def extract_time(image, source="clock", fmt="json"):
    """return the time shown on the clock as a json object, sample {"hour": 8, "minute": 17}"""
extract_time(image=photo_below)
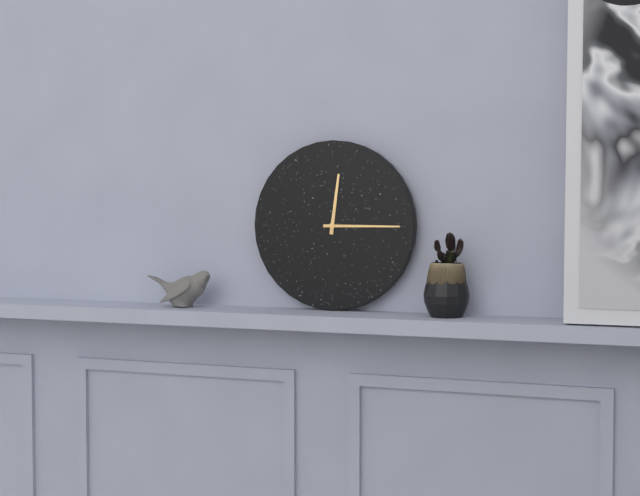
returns {"hour": 12, "minute": 15}
